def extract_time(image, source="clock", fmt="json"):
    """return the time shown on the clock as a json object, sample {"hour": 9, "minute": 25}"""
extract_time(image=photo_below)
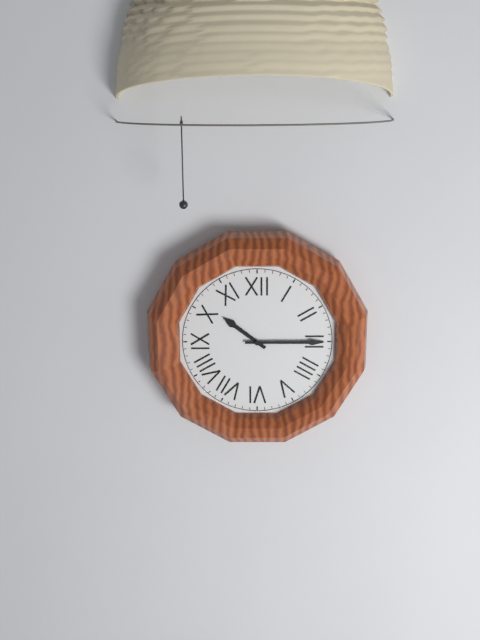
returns {"hour": 10, "minute": 15}
